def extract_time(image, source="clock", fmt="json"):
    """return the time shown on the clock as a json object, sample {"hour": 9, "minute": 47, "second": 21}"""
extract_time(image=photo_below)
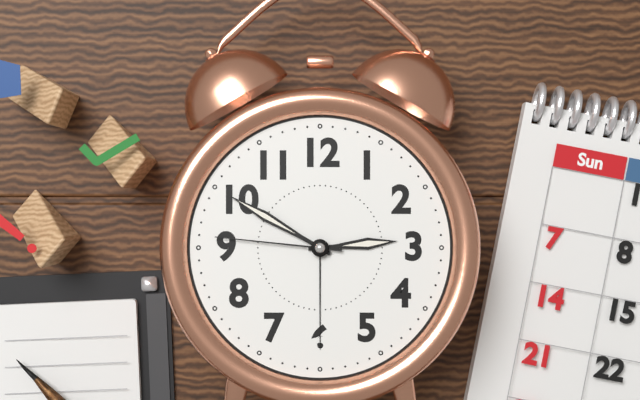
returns {"hour": 2, "minute": 50, "second": 46}
